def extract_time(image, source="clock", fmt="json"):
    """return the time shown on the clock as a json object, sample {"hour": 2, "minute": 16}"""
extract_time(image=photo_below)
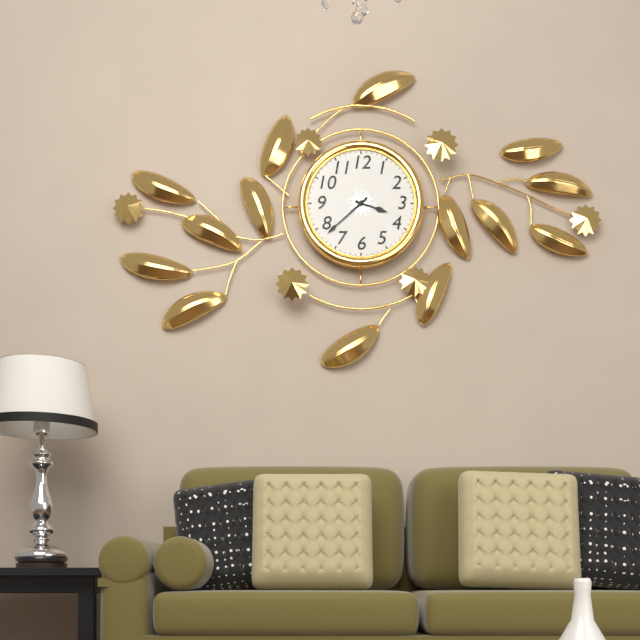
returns {"hour": 3, "minute": 38}
